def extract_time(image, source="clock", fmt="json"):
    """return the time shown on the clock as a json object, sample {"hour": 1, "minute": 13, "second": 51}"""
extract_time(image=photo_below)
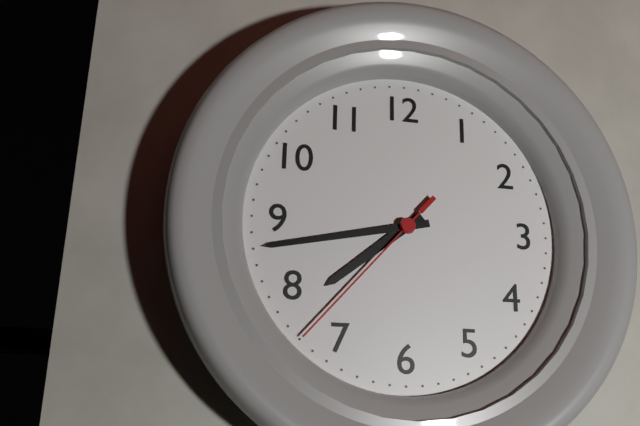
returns {"hour": 7, "minute": 43, "second": 37}
